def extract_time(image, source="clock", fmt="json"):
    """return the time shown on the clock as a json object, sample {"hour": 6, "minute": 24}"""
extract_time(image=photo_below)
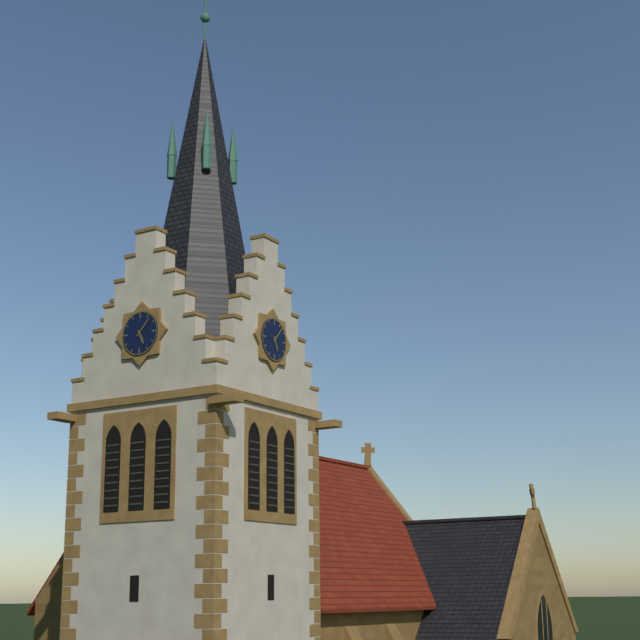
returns {"hour": 5, "minute": 7}
